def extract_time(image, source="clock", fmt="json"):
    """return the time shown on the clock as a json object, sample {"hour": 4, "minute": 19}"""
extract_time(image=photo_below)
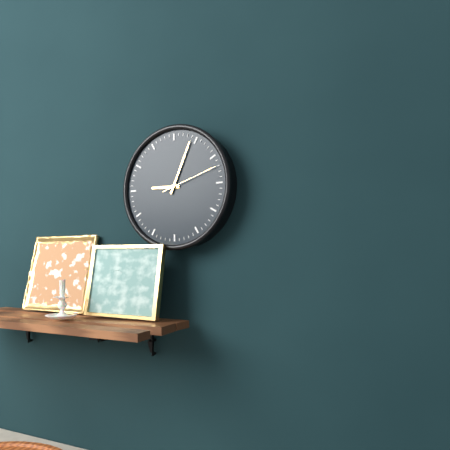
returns {"hour": 9, "minute": 4}
